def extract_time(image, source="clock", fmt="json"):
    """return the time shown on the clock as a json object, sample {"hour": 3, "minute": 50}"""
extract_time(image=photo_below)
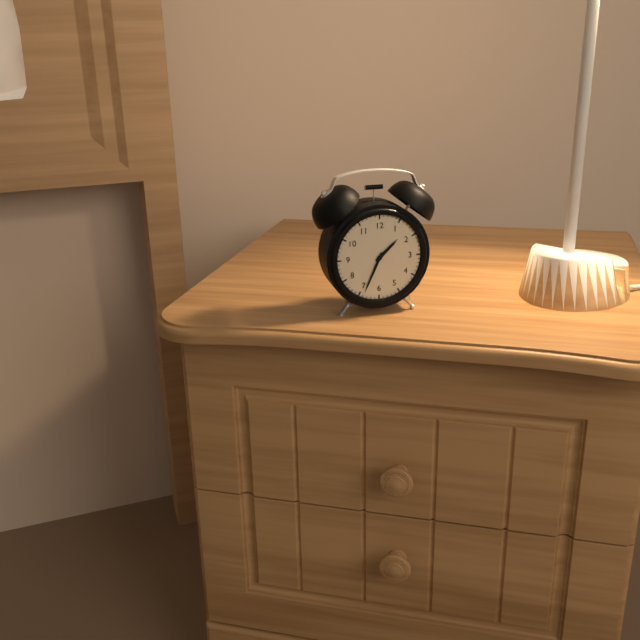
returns {"hour": 1, "minute": 34}
